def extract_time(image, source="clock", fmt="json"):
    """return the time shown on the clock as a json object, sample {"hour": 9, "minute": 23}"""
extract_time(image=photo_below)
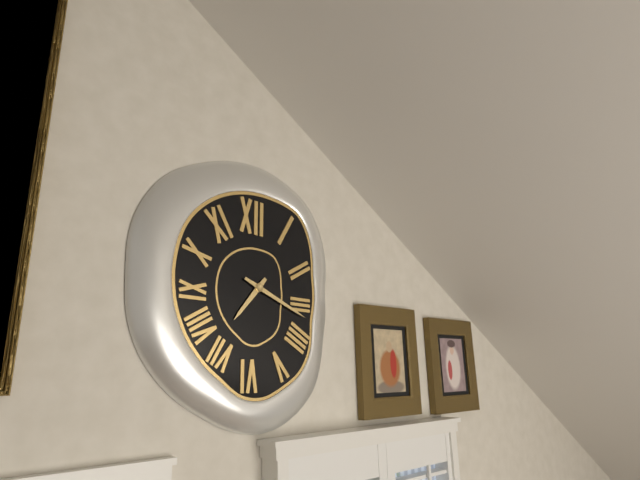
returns {"hour": 7, "minute": 19}
